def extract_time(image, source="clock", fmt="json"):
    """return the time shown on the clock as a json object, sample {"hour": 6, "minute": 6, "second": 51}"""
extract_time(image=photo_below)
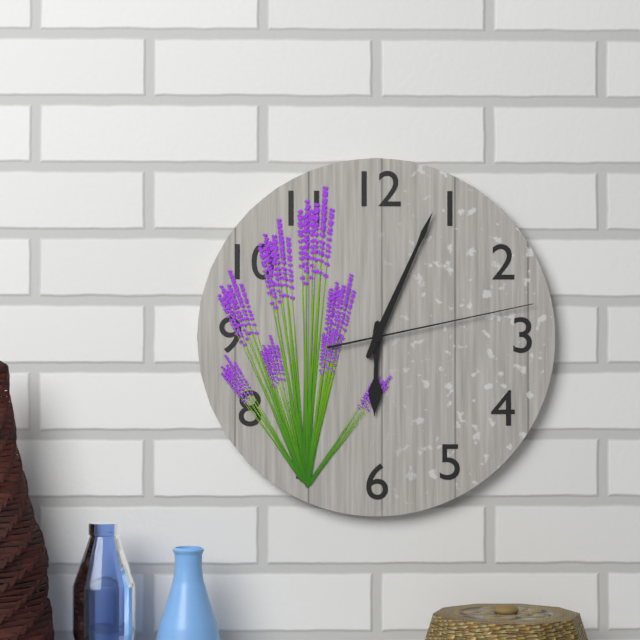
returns {"hour": 6, "minute": 4, "second": 13}
